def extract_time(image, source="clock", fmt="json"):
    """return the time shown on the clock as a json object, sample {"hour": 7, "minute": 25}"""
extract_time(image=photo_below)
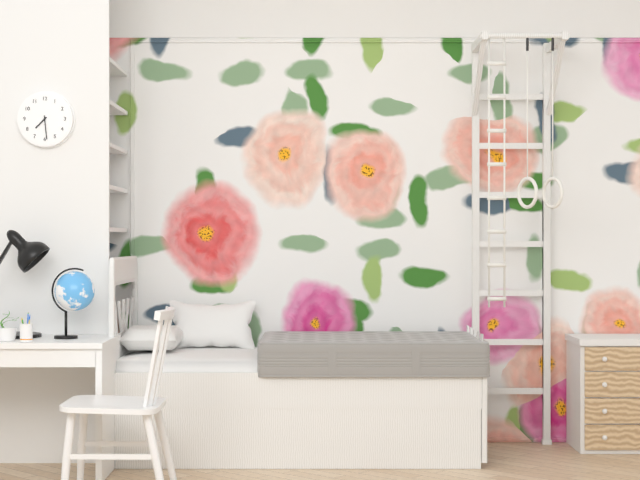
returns {"hour": 7, "minute": 29}
